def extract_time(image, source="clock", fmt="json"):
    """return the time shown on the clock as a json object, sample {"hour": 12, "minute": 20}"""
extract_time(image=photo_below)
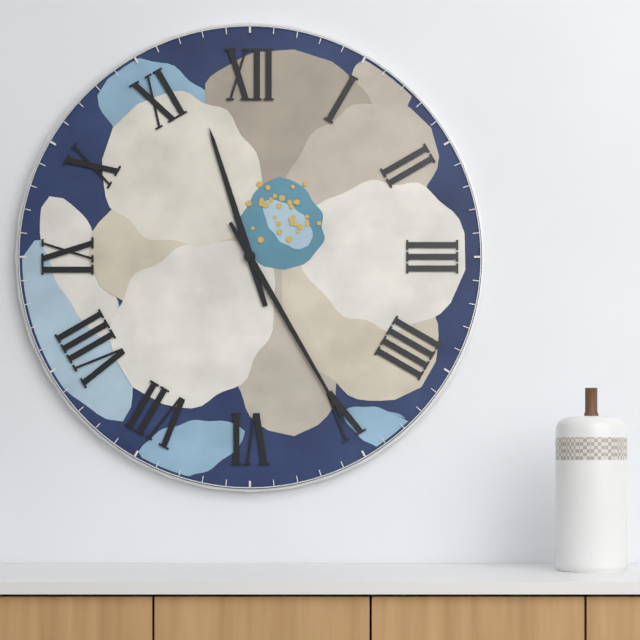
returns {"hour": 11, "minute": 25}
